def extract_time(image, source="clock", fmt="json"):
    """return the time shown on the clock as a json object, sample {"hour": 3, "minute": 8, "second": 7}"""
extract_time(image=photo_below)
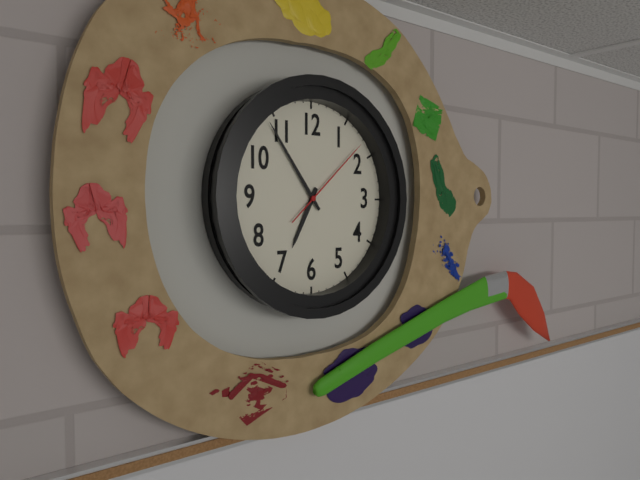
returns {"hour": 6, "minute": 54, "second": 8}
